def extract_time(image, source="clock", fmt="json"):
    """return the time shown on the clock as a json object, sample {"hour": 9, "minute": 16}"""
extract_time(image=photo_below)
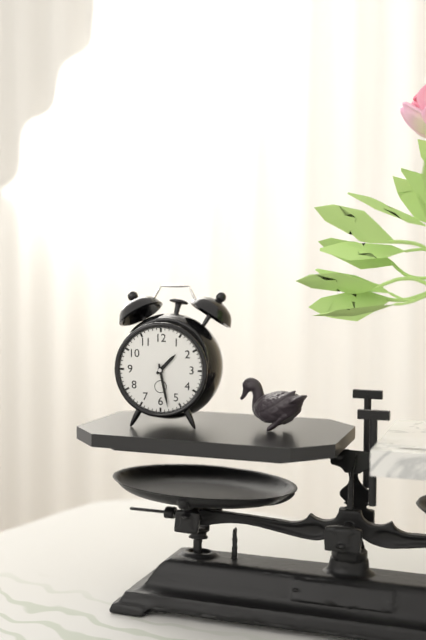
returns {"hour": 1, "minute": 28}
